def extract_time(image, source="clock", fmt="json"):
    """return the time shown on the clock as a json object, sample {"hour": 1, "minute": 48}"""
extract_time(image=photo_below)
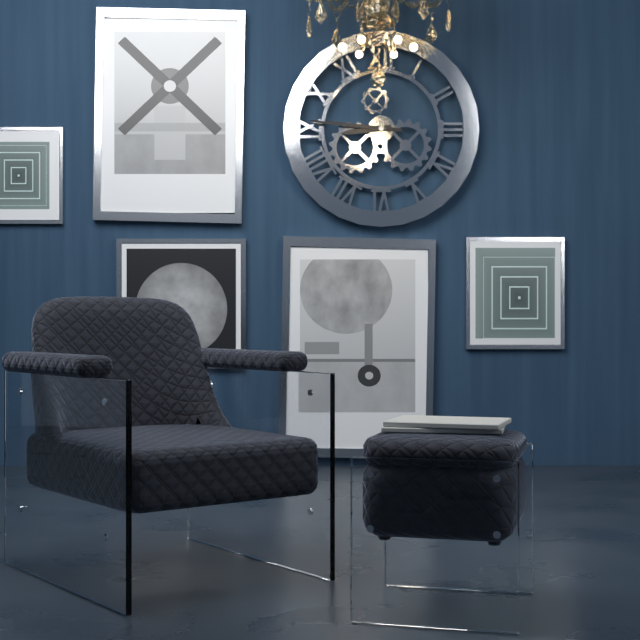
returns {"hour": 8, "minute": 46}
